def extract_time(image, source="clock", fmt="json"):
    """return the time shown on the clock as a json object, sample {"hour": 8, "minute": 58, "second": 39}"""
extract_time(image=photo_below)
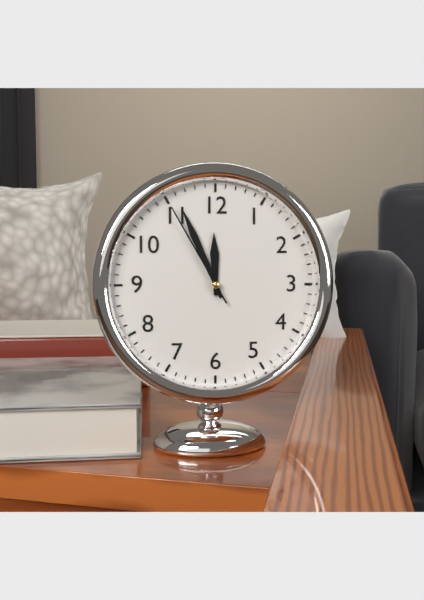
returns {"hour": 11, "minute": 56, "second": 55}
